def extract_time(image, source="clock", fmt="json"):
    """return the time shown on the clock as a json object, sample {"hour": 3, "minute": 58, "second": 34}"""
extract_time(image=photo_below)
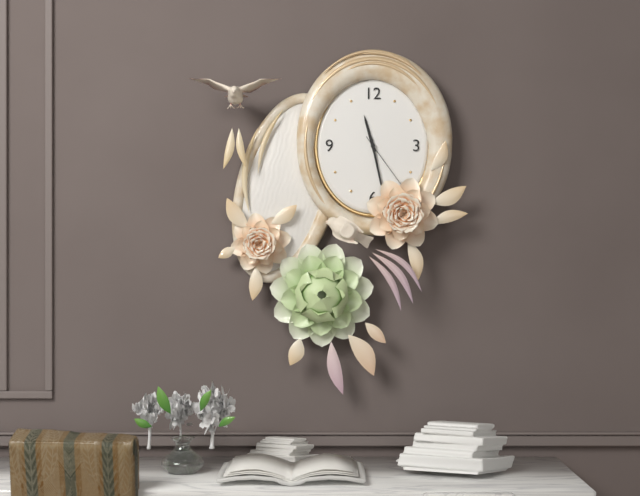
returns {"hour": 11, "minute": 28, "second": 24}
